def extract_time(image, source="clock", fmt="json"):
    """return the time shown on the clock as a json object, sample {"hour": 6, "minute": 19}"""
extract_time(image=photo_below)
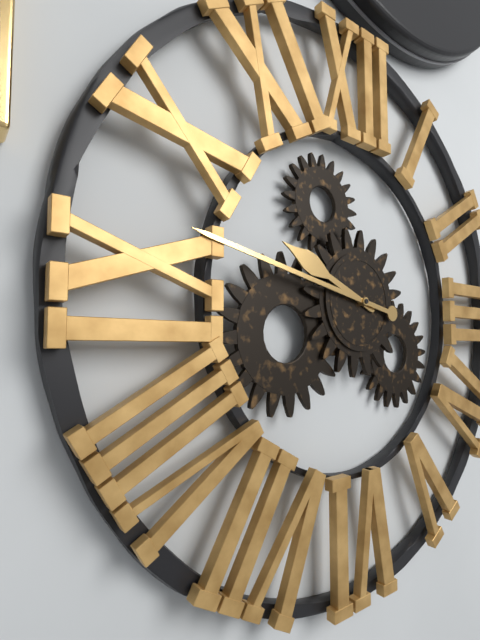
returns {"hour": 9, "minute": 47}
